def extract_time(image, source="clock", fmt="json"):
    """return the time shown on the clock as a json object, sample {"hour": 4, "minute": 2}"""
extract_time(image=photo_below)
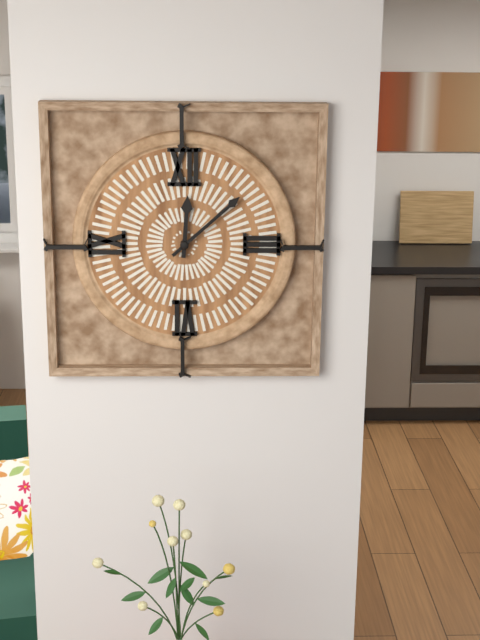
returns {"hour": 12, "minute": 8}
